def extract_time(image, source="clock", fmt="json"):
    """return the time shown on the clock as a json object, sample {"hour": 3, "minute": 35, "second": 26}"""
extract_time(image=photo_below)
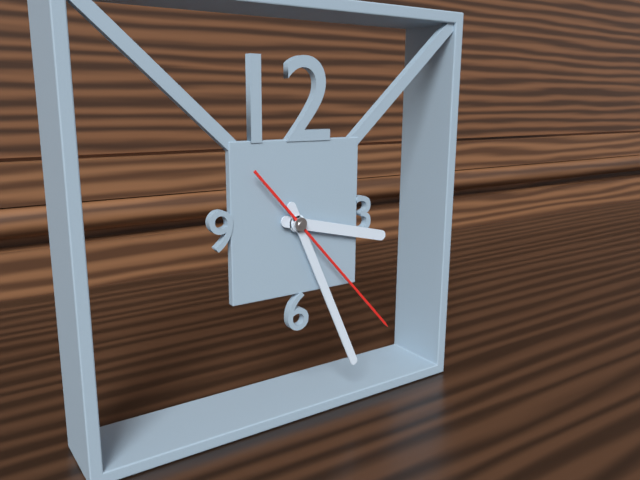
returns {"hour": 3, "minute": 26, "second": 23}
